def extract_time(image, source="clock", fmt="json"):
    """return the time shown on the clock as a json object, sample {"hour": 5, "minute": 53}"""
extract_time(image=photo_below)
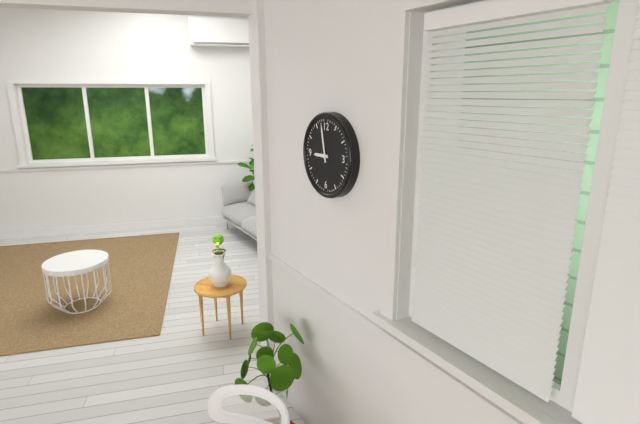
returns {"hour": 8, "minute": 58}
